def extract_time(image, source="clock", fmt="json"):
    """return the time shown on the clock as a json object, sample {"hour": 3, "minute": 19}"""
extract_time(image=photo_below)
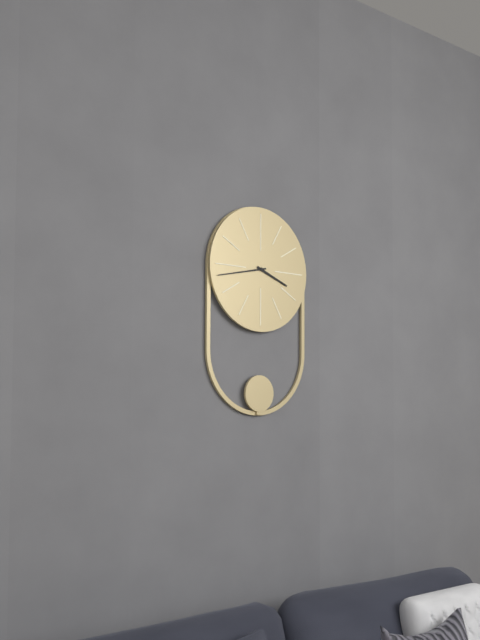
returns {"hour": 3, "minute": 43}
